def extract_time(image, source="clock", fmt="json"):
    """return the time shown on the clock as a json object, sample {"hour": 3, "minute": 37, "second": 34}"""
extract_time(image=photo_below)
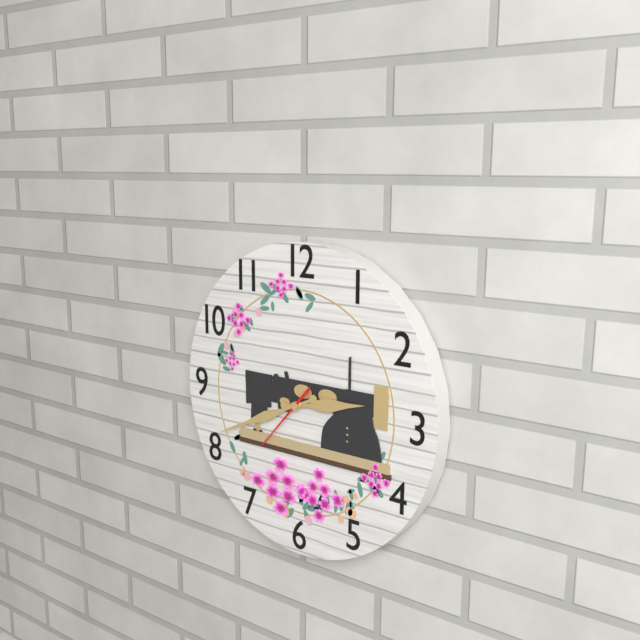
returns {"hour": 2, "minute": 41, "second": 37}
